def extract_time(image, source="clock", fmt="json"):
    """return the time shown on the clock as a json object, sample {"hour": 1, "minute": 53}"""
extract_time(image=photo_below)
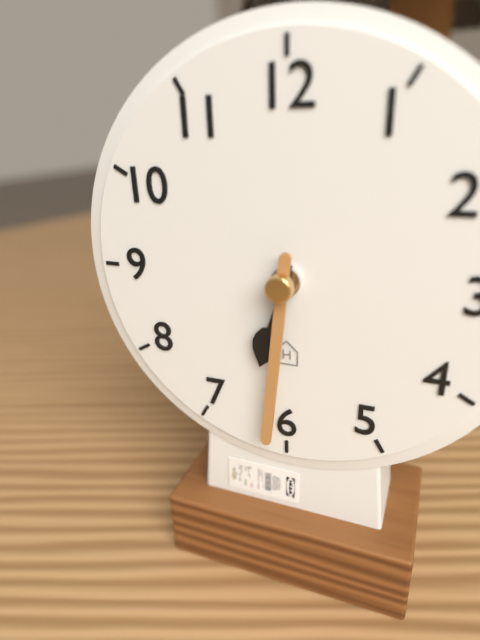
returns {"hour": 6, "minute": 31}
